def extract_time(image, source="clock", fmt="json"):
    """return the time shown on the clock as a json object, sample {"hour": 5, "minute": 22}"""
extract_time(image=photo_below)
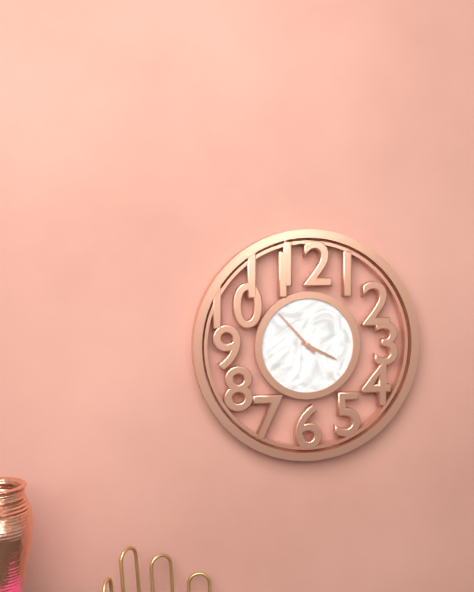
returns {"hour": 3, "minute": 53}
